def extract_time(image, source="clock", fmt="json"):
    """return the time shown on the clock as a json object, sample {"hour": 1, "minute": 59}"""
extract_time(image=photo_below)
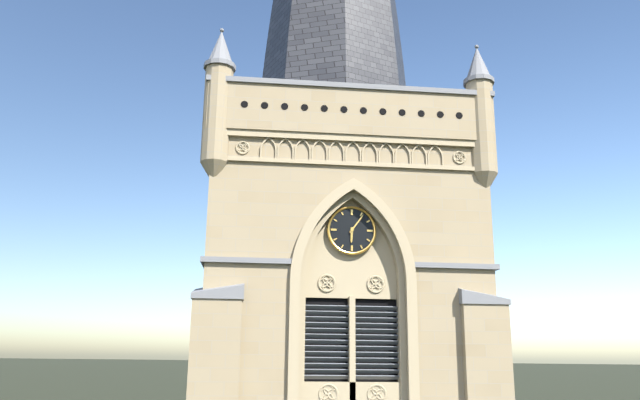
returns {"hour": 6, "minute": 6}
